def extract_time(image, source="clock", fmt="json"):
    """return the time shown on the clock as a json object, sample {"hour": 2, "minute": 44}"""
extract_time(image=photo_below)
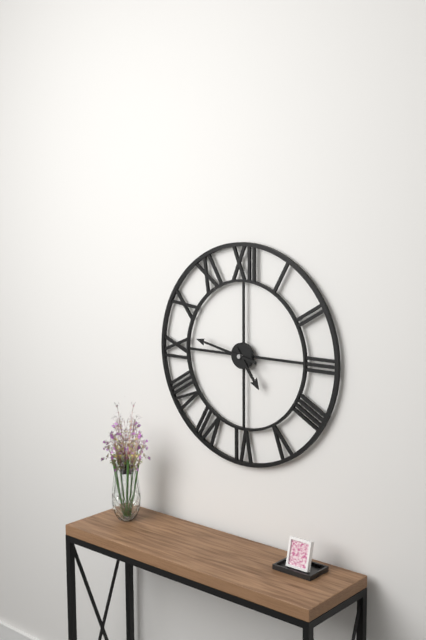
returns {"hour": 4, "minute": 47}
